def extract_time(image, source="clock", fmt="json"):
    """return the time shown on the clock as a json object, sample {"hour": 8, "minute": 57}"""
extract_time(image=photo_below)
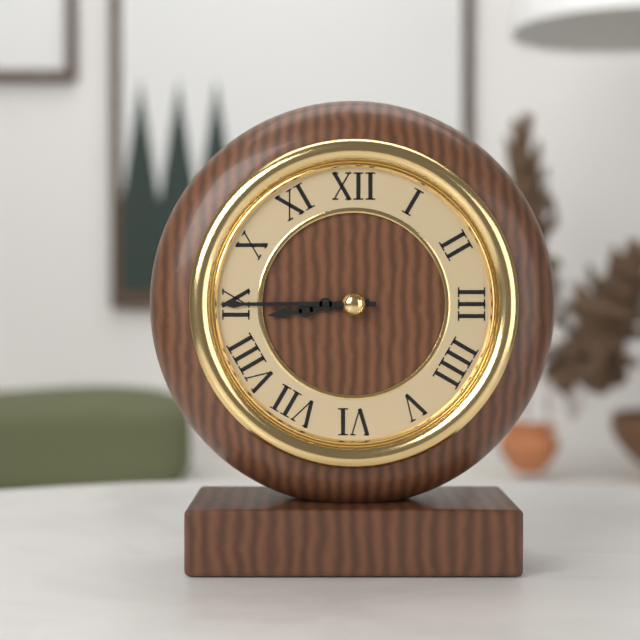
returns {"hour": 8, "minute": 45}
